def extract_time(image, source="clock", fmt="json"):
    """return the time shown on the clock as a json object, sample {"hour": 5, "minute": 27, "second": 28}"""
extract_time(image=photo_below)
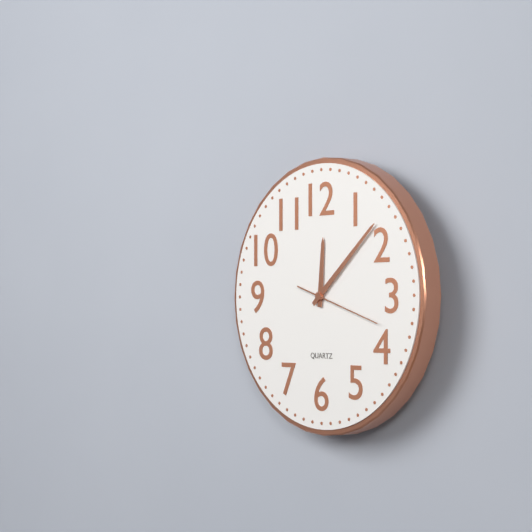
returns {"hour": 12, "minute": 8, "second": 18}
